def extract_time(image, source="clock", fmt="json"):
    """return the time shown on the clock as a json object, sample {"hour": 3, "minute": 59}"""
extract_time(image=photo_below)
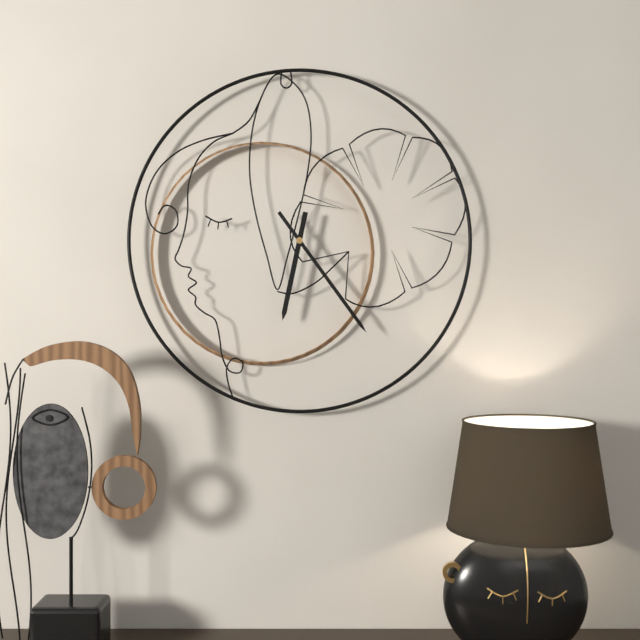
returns {"hour": 6, "minute": 24}
